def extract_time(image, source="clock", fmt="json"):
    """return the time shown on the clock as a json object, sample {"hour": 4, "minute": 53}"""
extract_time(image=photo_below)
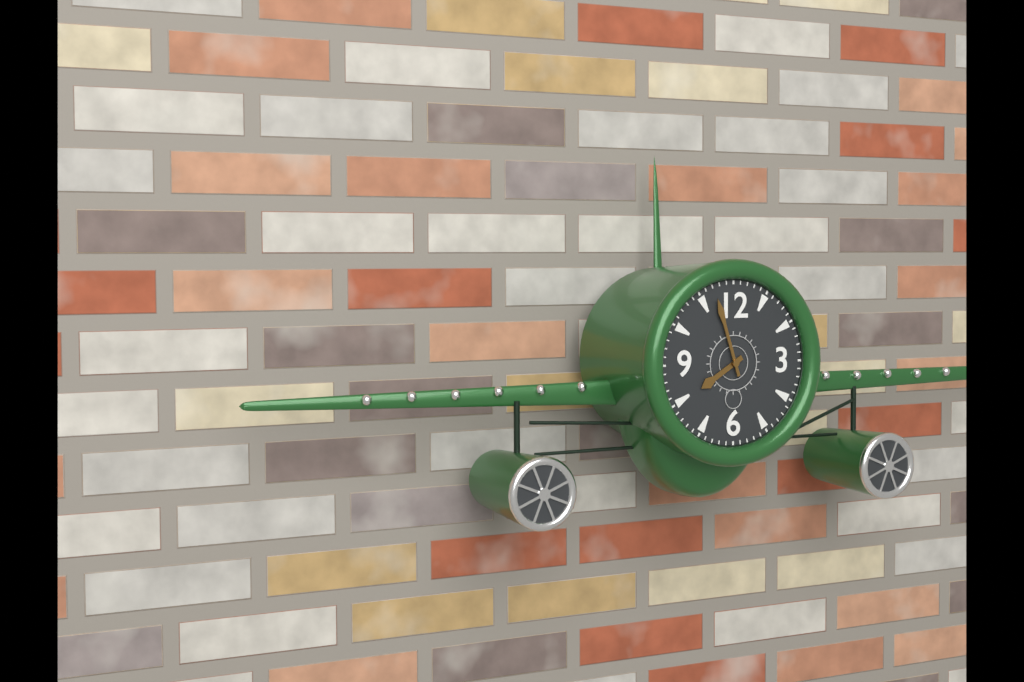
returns {"hour": 7, "minute": 57}
